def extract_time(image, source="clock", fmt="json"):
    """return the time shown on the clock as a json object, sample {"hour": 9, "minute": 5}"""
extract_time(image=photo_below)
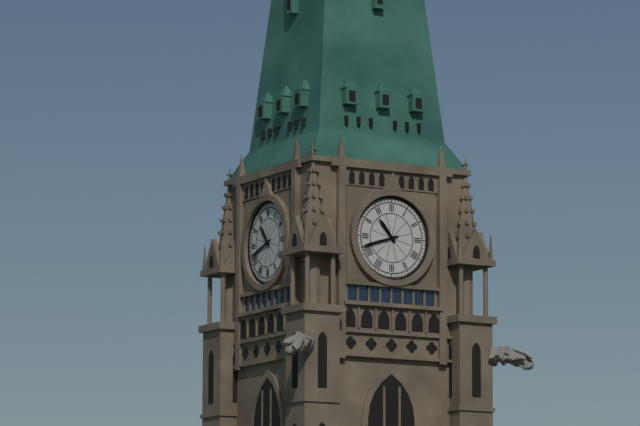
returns {"hour": 10, "minute": 42}
